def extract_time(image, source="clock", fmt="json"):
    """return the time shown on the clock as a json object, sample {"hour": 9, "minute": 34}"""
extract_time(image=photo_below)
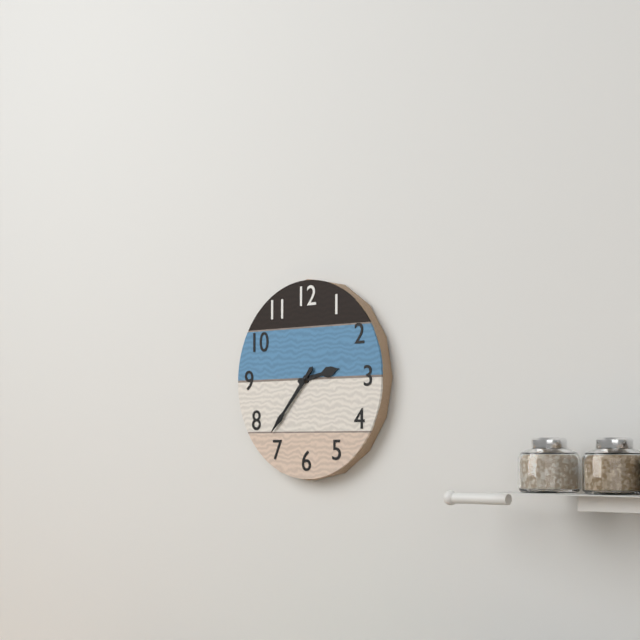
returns {"hour": 2, "minute": 37}
